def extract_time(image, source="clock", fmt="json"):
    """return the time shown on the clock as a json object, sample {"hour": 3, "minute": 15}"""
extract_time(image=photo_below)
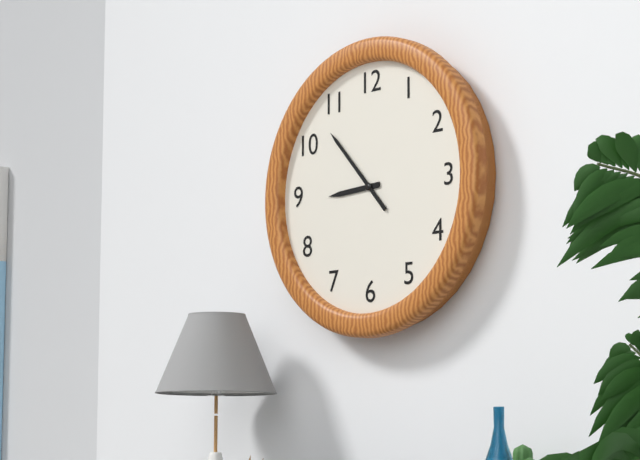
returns {"hour": 8, "minute": 53}
